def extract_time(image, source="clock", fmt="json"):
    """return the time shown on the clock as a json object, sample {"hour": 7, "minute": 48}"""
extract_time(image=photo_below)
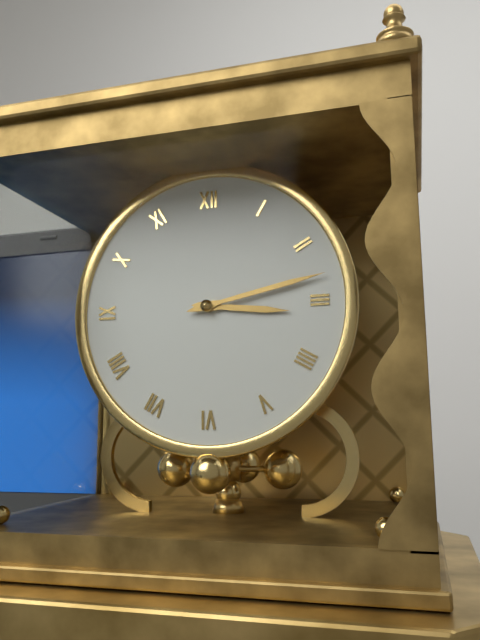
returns {"hour": 3, "minute": 13}
